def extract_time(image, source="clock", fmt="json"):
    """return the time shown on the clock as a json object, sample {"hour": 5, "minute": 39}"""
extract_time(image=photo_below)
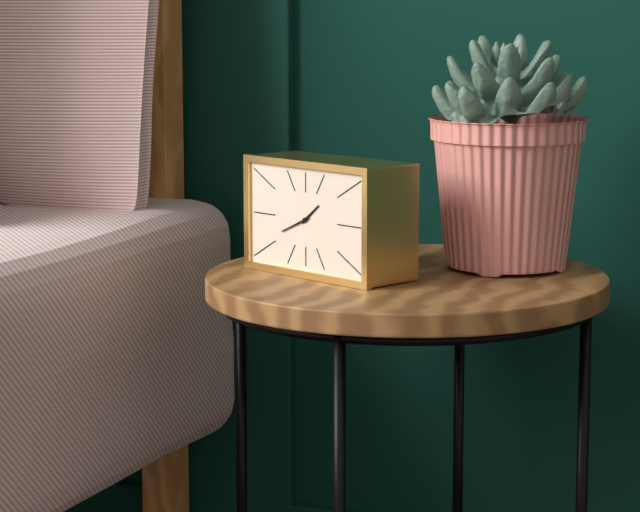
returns {"hour": 1, "minute": 41}
